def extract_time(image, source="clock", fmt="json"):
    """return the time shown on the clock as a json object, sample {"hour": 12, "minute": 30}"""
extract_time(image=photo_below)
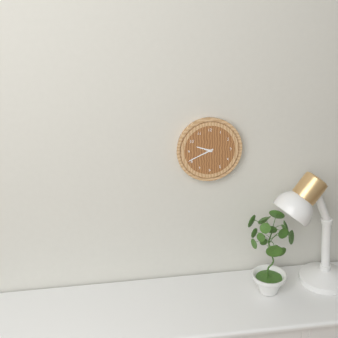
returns {"hour": 9, "minute": 41}
